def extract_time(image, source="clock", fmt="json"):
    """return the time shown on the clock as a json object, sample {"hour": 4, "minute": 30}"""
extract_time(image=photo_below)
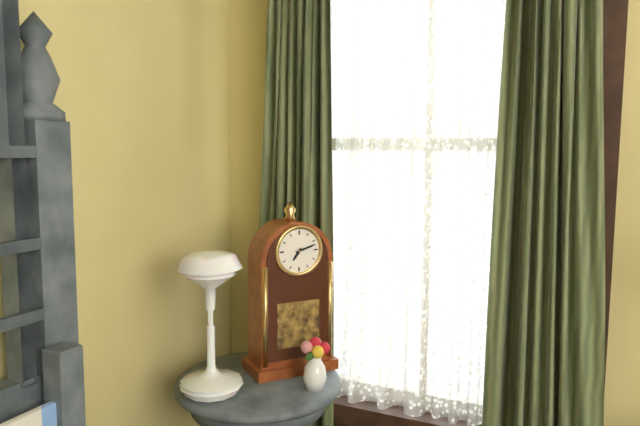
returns {"hour": 7, "minute": 12}
